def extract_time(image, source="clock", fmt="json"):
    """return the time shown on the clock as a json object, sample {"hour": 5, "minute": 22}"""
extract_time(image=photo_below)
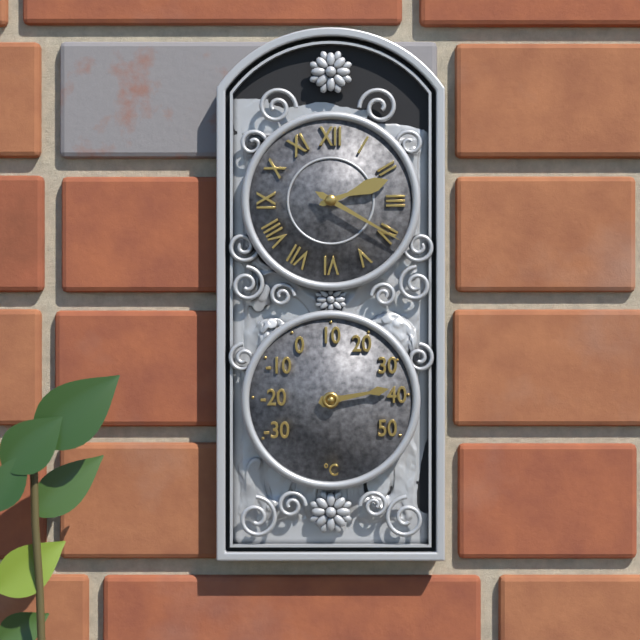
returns {"hour": 2, "minute": 20}
